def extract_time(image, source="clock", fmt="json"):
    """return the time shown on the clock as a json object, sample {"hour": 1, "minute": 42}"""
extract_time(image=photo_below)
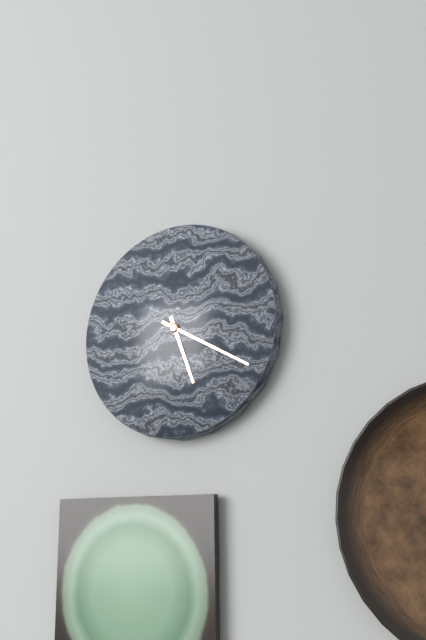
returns {"hour": 5, "minute": 20}
